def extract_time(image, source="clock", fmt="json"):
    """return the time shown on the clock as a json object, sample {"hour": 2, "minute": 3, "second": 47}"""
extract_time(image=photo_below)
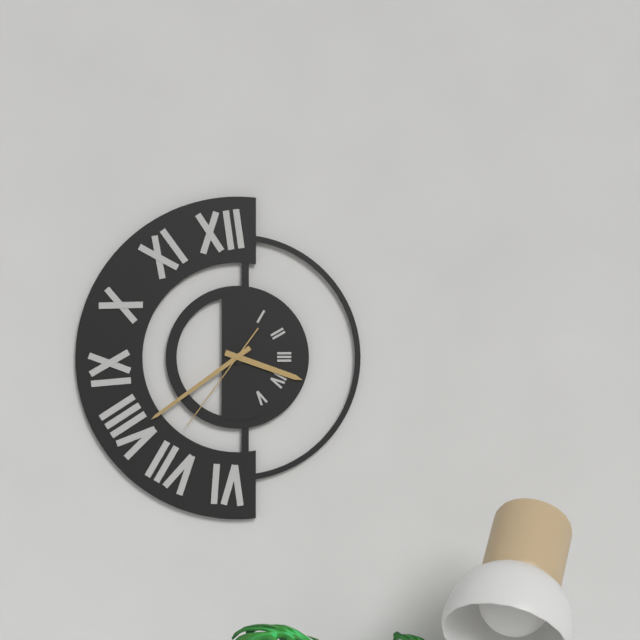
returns {"hour": 3, "minute": 39, "second": 36}
